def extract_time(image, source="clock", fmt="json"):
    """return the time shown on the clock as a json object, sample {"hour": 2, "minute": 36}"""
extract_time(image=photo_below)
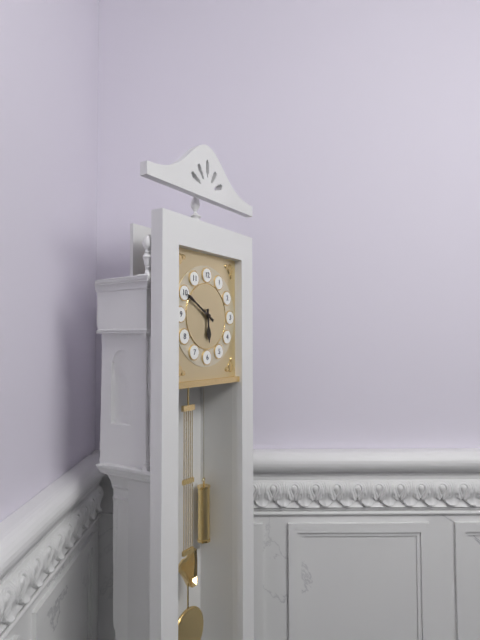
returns {"hour": 5, "minute": 50}
